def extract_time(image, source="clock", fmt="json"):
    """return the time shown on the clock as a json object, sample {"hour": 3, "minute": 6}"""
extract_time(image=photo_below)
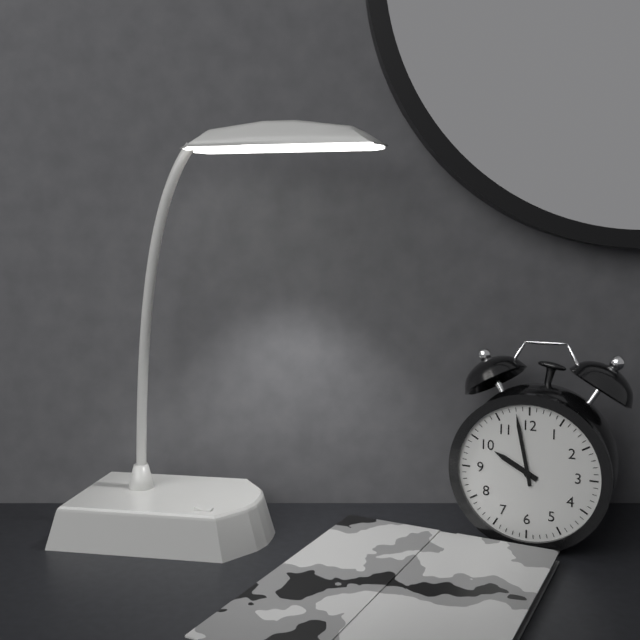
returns {"hour": 9, "minute": 58}
